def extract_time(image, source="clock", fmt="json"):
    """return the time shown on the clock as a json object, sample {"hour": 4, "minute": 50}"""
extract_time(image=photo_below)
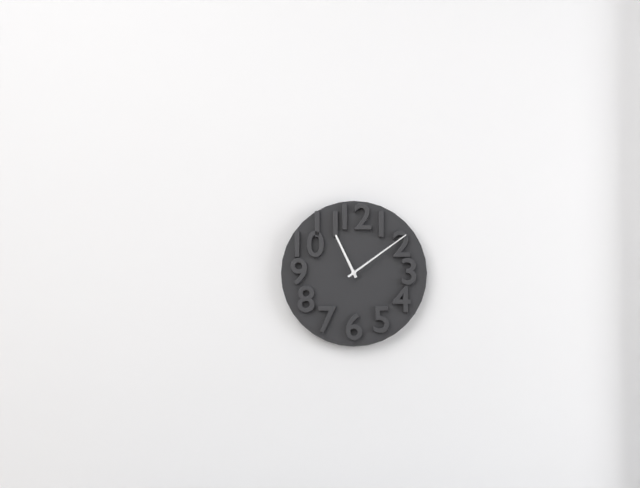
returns {"hour": 11, "minute": 9}
